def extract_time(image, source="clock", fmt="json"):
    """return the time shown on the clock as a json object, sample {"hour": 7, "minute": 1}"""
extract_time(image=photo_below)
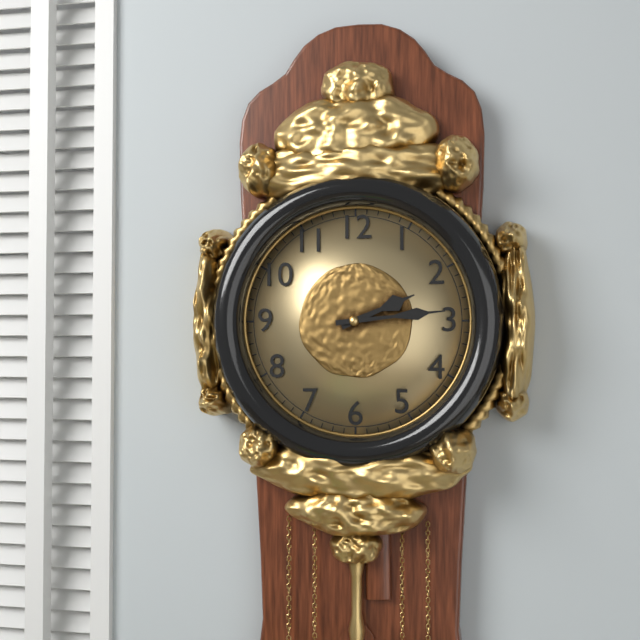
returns {"hour": 2, "minute": 14}
